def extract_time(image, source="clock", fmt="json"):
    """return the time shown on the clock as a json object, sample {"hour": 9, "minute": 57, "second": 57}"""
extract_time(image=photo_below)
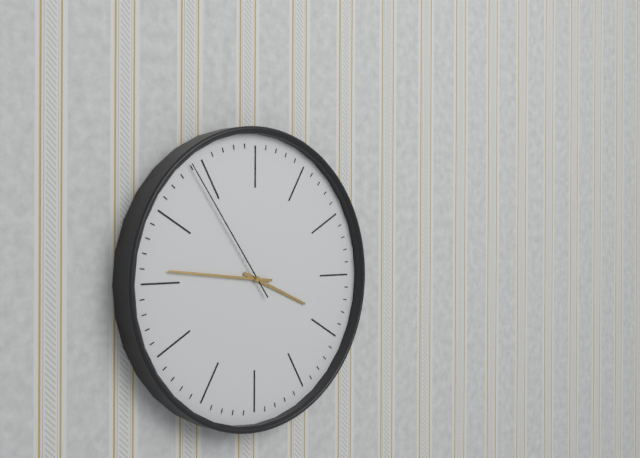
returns {"hour": 3, "minute": 46, "second": 54}
